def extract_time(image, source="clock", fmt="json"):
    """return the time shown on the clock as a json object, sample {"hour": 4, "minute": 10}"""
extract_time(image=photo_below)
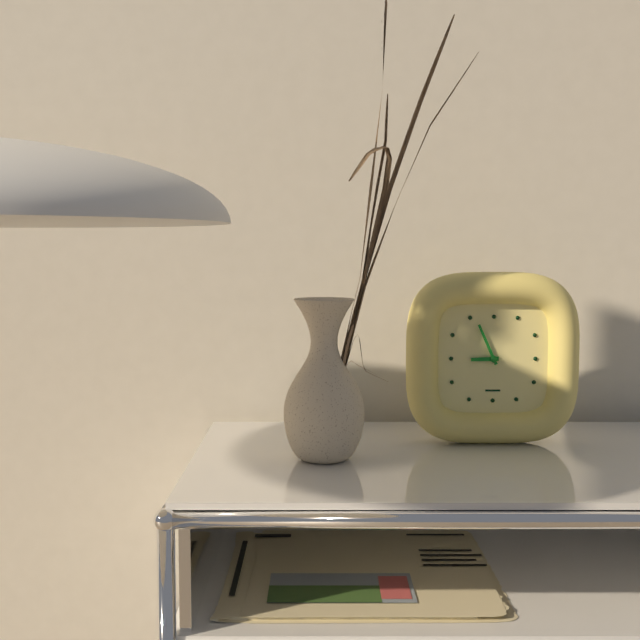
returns {"hour": 8, "minute": 56}
